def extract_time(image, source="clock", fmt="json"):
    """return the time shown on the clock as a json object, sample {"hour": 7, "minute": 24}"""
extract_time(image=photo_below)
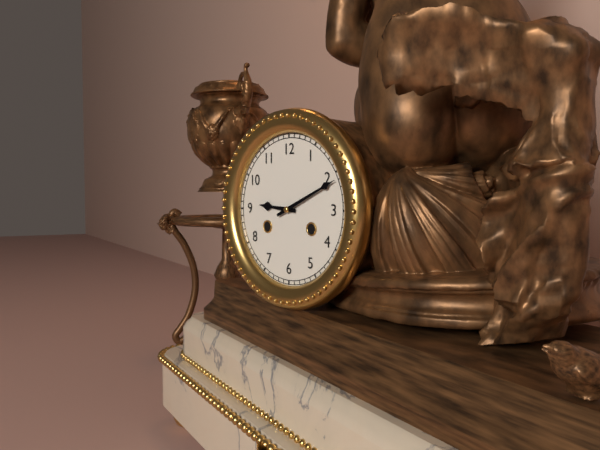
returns {"hour": 9, "minute": 11}
